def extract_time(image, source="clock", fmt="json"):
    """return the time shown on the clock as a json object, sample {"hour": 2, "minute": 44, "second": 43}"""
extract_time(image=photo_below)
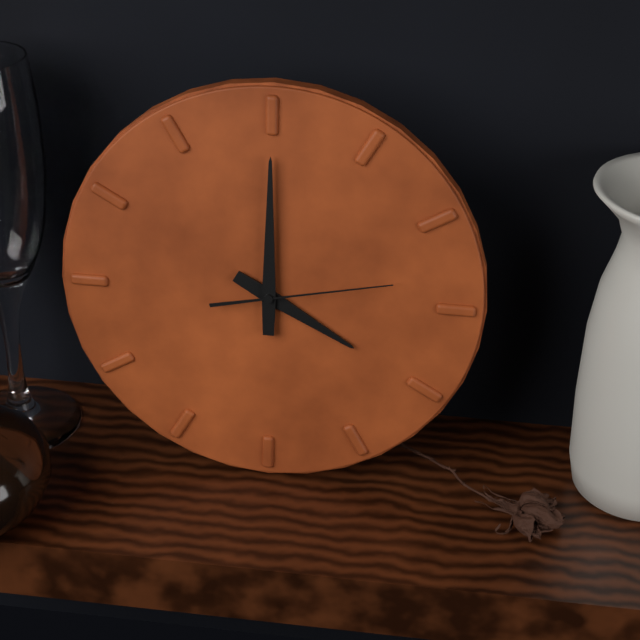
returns {"hour": 4, "minute": 0, "second": 13}
